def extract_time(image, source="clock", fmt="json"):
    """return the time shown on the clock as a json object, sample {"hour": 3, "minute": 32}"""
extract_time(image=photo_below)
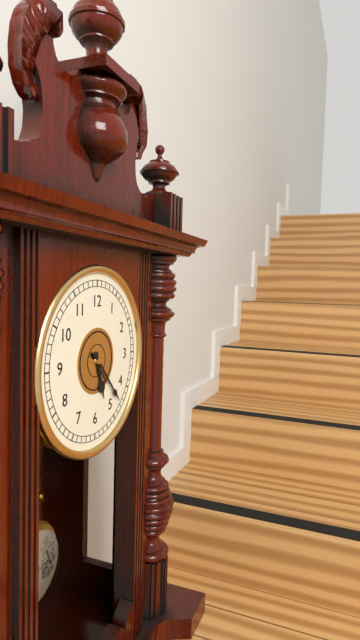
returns {"hour": 5, "minute": 23}
